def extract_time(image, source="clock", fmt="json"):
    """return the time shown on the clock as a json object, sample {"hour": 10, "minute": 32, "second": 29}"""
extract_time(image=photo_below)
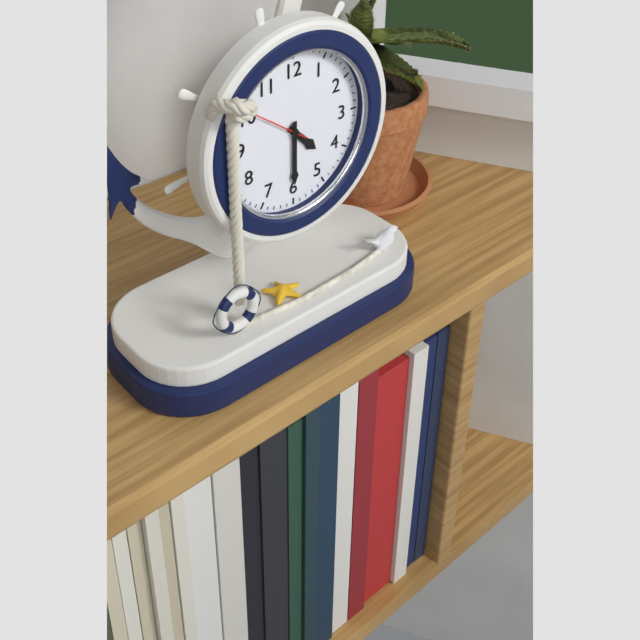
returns {"hour": 4, "minute": 30, "second": 51}
